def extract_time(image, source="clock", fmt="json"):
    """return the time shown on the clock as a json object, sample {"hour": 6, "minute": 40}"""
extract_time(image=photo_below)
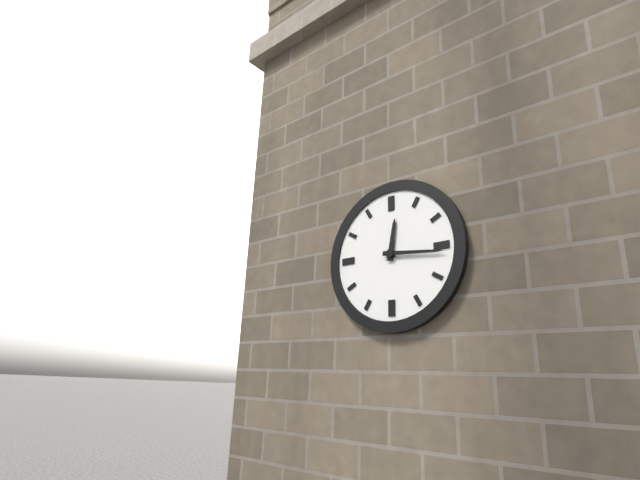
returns {"hour": 12, "minute": 16}
